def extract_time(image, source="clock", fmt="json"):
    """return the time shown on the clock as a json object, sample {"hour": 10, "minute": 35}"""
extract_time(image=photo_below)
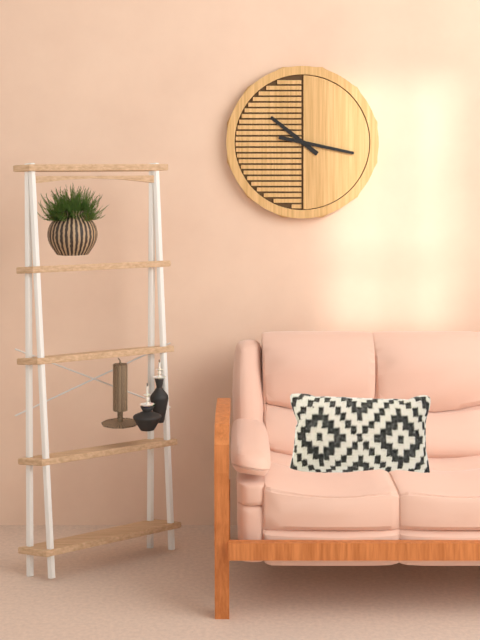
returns {"hour": 10, "minute": 17}
